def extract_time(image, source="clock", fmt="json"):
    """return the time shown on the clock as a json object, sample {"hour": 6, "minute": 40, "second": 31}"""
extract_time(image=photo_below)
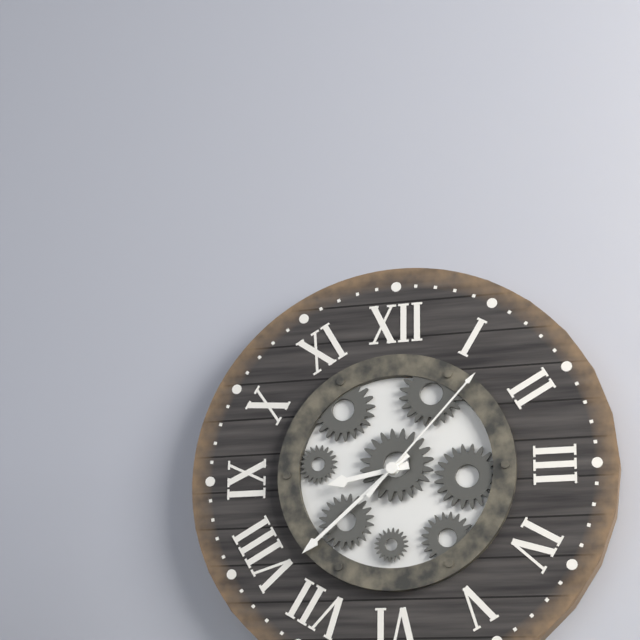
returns {"hour": 8, "minute": 38, "second": 7}
